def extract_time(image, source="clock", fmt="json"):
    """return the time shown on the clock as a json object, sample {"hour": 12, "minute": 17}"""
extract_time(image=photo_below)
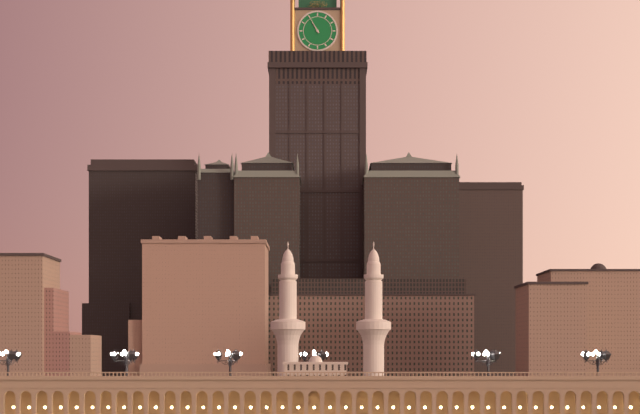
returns {"hour": 10, "minute": 55}
